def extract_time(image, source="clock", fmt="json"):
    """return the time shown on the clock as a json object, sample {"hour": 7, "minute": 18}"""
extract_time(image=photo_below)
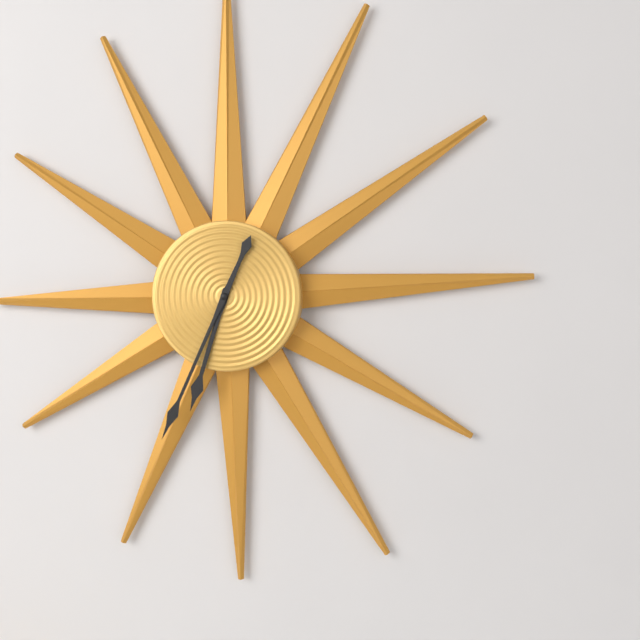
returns {"hour": 6, "minute": 34}
